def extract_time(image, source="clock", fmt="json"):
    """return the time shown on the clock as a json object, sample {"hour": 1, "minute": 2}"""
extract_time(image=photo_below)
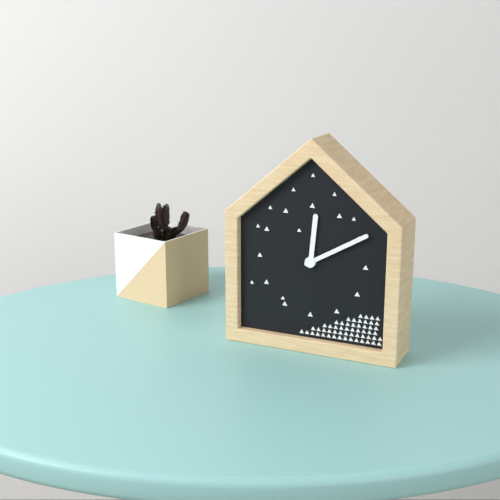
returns {"hour": 12, "minute": 10}
